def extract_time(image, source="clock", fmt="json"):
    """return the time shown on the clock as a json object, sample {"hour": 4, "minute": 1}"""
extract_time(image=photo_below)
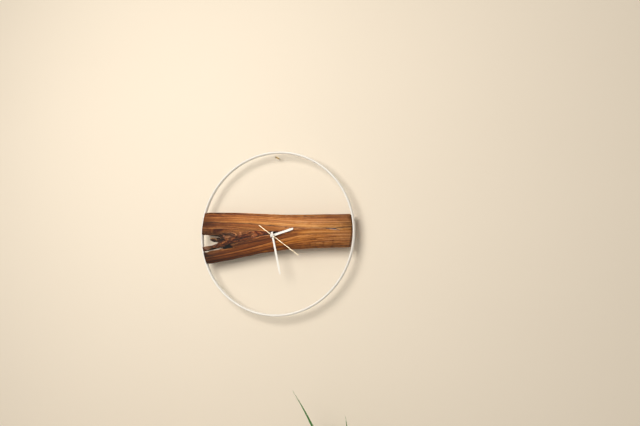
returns {"hour": 2, "minute": 28}
